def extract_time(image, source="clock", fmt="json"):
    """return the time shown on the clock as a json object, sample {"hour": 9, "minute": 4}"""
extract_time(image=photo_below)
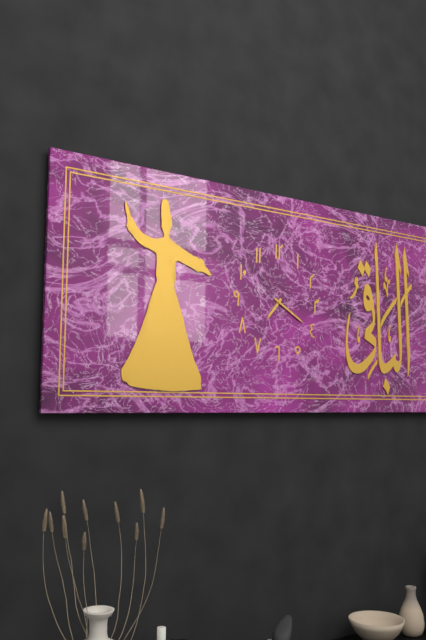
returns {"hour": 7, "minute": 20}
